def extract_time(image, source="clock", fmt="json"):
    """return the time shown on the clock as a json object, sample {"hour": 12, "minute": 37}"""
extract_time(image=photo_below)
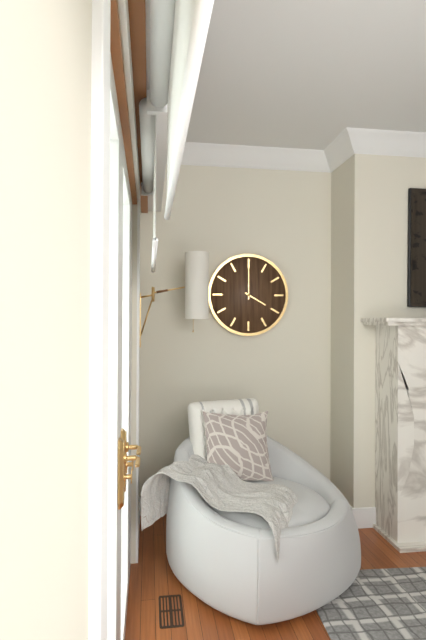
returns {"hour": 4, "minute": 0}
